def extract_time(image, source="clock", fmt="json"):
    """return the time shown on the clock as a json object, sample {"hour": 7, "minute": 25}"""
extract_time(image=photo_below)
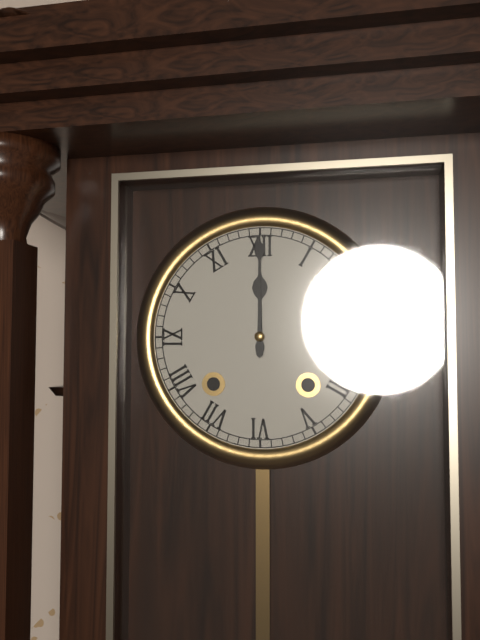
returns {"hour": 12, "minute": 0}
